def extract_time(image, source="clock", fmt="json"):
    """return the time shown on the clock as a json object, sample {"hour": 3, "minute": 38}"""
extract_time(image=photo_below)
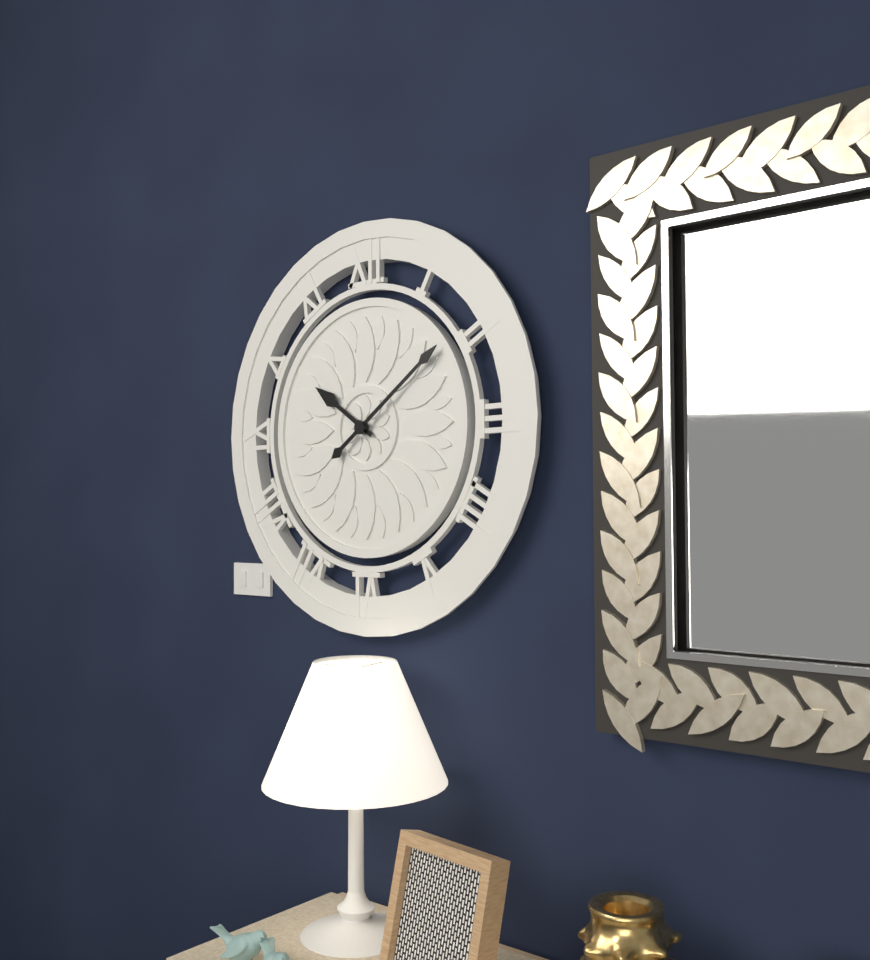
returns {"hour": 10, "minute": 9}
